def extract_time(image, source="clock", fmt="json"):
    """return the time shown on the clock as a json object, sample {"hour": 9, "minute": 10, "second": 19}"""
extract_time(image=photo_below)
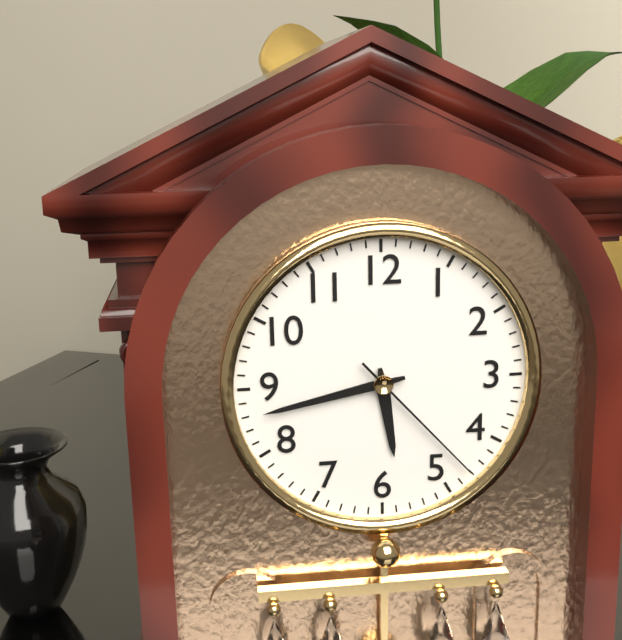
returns {"hour": 5, "minute": 43, "second": 23}
